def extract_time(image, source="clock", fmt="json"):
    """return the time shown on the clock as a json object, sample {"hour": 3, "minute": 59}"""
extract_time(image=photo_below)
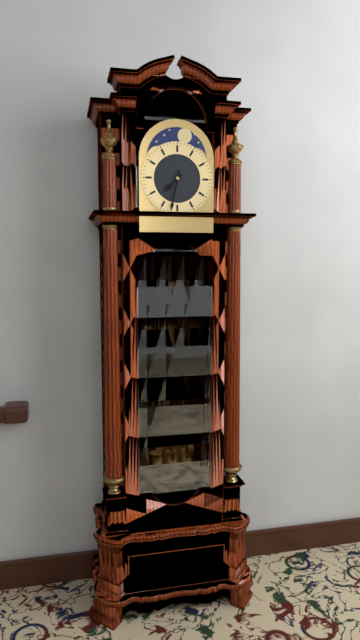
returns {"hour": 7, "minute": 32}
